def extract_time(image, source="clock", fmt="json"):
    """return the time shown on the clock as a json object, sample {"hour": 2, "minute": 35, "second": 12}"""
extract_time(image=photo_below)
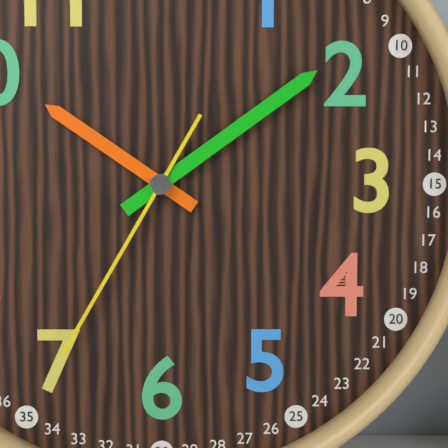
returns {"hour": 10, "minute": 9, "second": 35}
